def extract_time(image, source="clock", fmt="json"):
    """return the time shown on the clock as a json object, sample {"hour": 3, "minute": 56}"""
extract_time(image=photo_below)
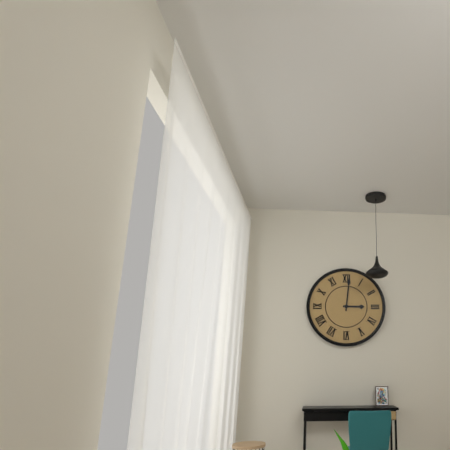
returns {"hour": 3, "minute": 1}
